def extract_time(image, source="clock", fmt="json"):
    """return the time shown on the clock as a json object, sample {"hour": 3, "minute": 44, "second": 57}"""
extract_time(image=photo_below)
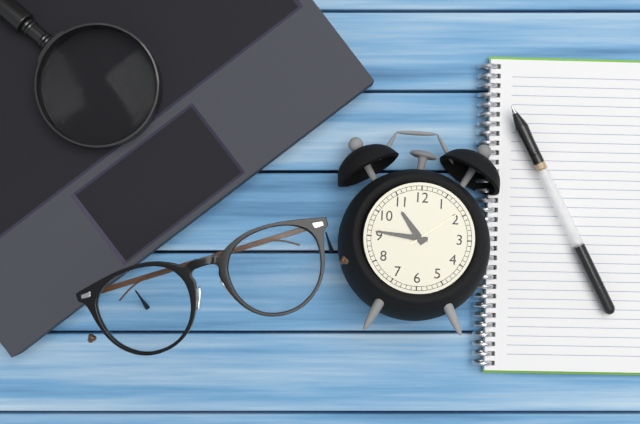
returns {"hour": 10, "minute": 46, "second": 9}
